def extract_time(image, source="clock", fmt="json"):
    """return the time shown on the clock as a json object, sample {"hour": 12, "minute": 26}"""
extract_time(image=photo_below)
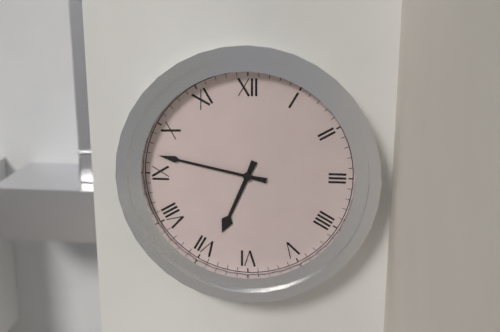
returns {"hour": 6, "minute": 47}
